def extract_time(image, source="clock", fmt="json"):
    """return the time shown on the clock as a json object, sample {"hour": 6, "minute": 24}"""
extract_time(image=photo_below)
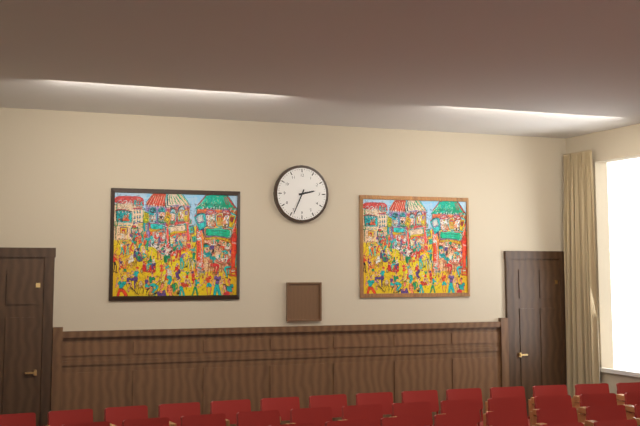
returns {"hour": 2, "minute": 34}
